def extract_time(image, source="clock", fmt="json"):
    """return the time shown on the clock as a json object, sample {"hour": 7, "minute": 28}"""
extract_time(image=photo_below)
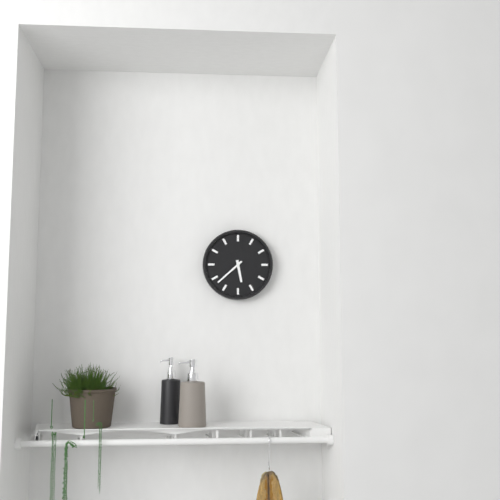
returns {"hour": 5, "minute": 38}
